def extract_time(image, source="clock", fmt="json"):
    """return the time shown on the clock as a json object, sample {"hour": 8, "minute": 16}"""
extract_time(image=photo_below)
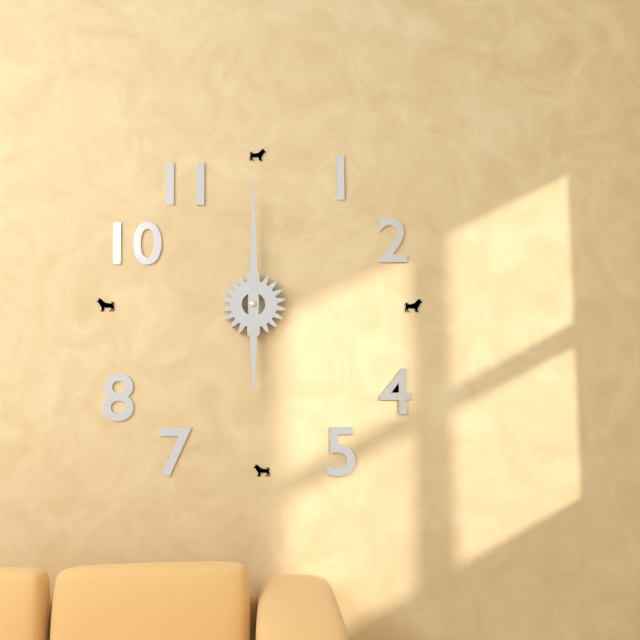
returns {"hour": 6, "minute": 0}
